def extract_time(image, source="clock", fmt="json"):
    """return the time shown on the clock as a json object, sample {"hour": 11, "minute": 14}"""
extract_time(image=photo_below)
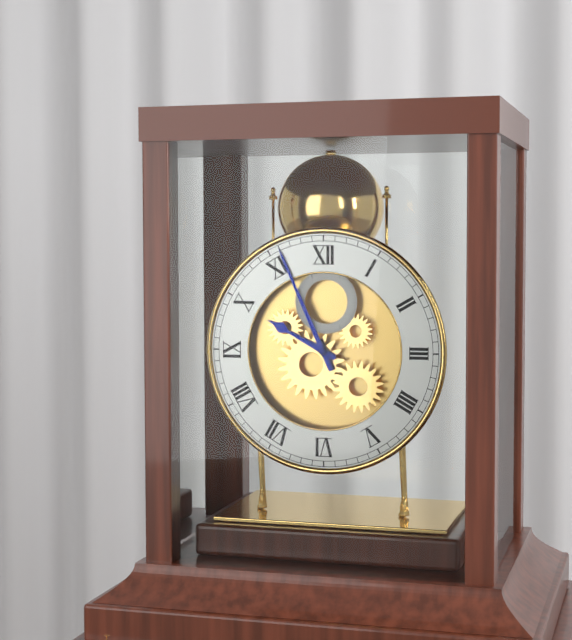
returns {"hour": 9, "minute": 56}
